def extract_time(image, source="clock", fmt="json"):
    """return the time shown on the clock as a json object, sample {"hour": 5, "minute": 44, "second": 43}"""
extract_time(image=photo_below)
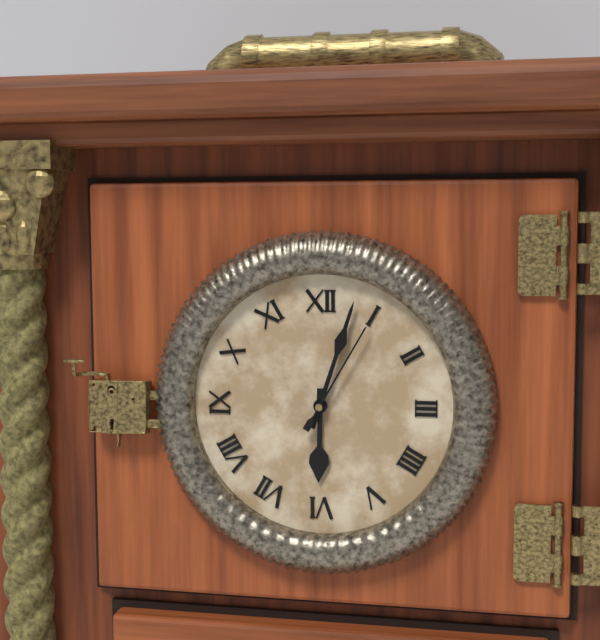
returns {"hour": 6, "minute": 3, "second": 5}
